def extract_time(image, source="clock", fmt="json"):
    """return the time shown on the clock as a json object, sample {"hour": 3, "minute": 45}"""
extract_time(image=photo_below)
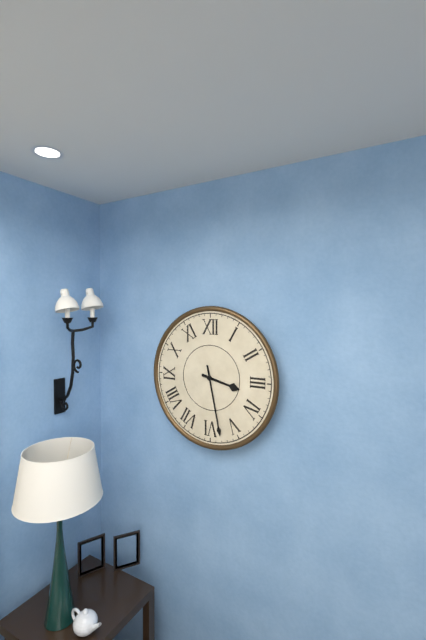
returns {"hour": 3, "minute": 28}
